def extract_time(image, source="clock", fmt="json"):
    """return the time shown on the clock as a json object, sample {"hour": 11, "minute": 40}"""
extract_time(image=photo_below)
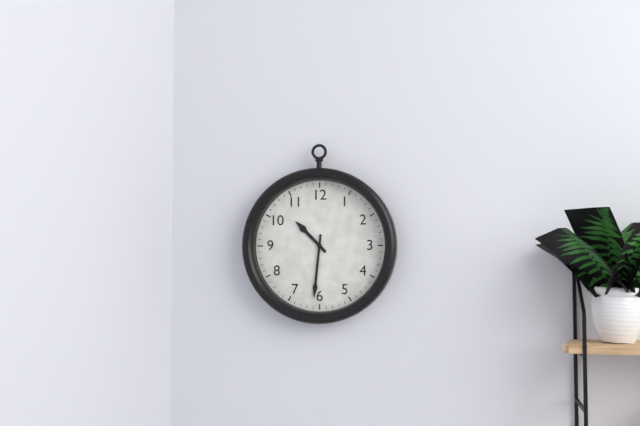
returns {"hour": 10, "minute": 31}
